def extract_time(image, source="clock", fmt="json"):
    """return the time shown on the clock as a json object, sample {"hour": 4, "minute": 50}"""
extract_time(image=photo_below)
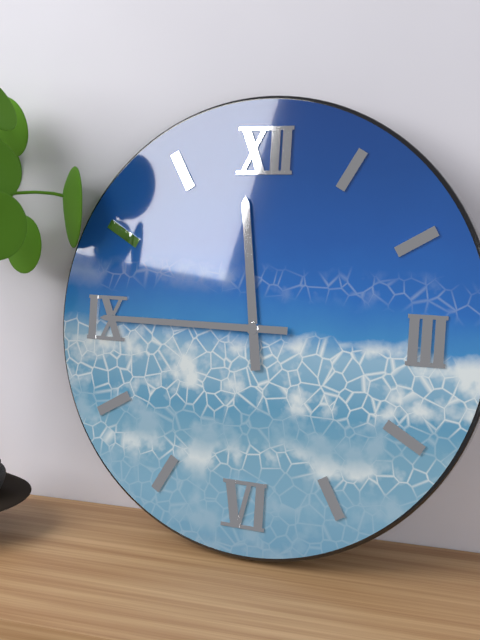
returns {"hour": 11, "minute": 45}
